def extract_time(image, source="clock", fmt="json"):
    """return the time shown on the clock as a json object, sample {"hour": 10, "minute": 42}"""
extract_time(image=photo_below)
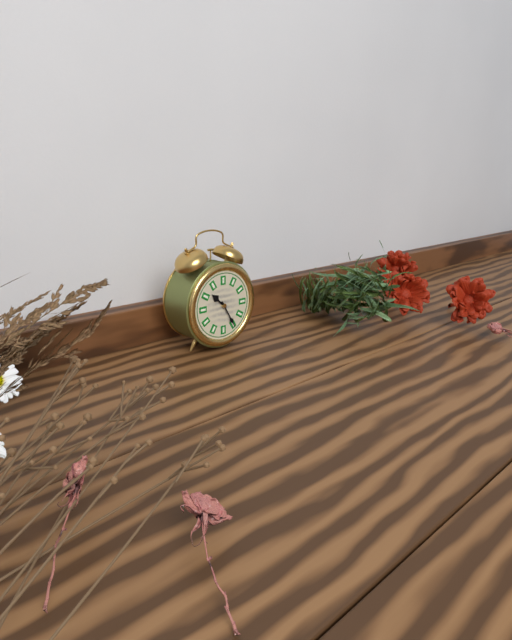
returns {"hour": 10, "minute": 25}
